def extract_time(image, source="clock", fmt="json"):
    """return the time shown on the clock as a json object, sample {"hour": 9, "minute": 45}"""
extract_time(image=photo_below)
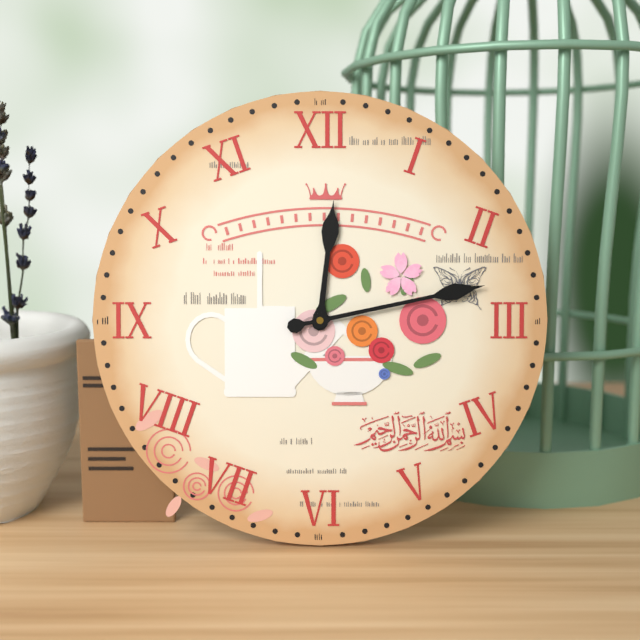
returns {"hour": 12, "minute": 13}
